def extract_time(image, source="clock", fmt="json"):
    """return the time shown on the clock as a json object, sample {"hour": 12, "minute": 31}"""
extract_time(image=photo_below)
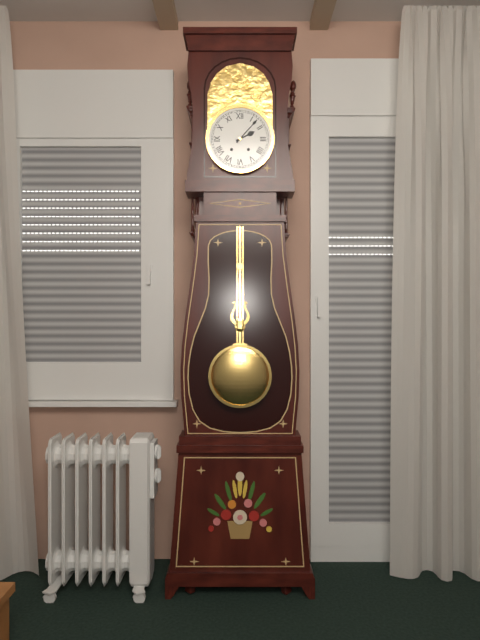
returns {"hour": 2, "minute": 7}
